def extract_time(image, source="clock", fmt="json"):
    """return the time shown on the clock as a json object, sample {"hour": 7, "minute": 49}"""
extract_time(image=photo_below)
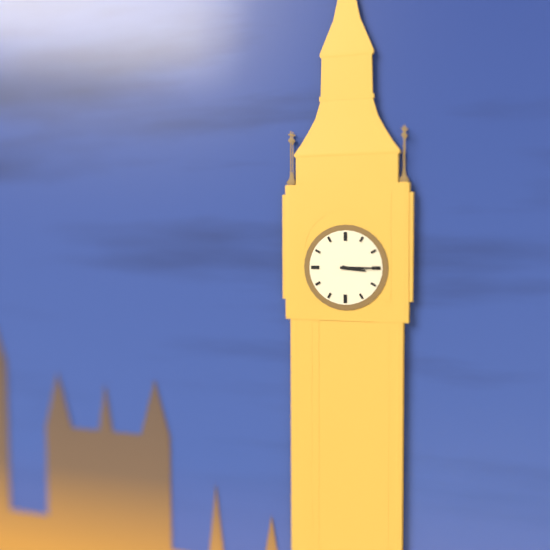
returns {"hour": 3, "minute": 15}
